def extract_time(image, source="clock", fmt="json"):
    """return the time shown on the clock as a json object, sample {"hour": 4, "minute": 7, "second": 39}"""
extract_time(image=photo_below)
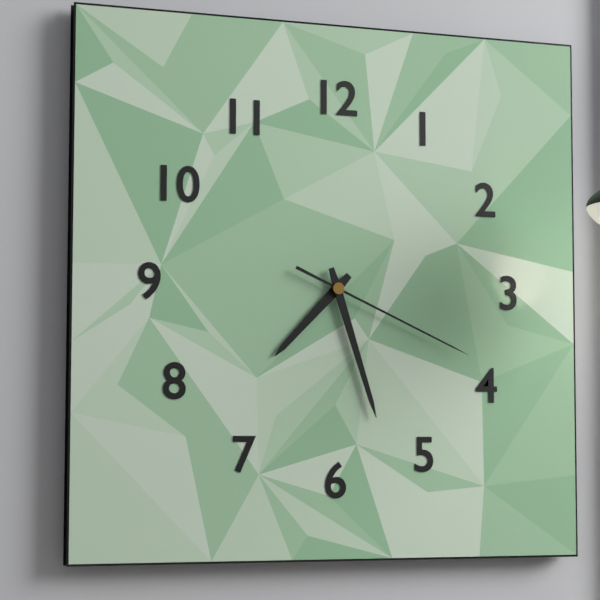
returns {"hour": 7, "minute": 27, "second": 19}
